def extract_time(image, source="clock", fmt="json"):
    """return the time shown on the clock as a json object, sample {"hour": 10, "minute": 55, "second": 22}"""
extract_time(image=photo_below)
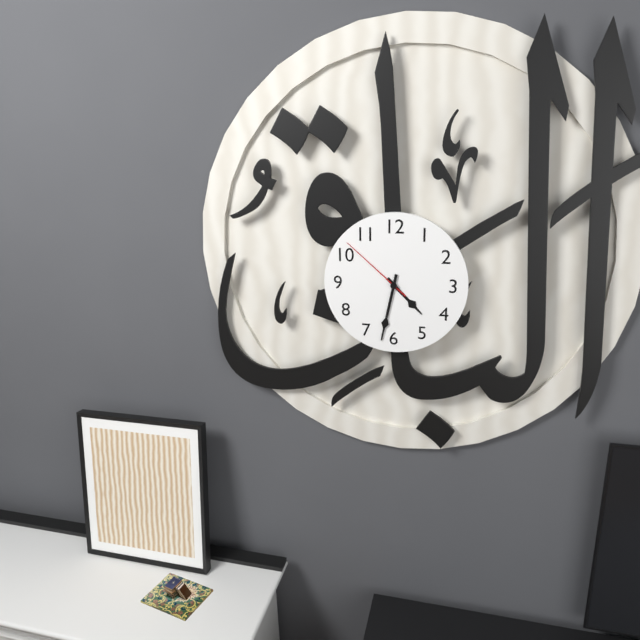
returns {"hour": 4, "minute": 32, "second": 52}
